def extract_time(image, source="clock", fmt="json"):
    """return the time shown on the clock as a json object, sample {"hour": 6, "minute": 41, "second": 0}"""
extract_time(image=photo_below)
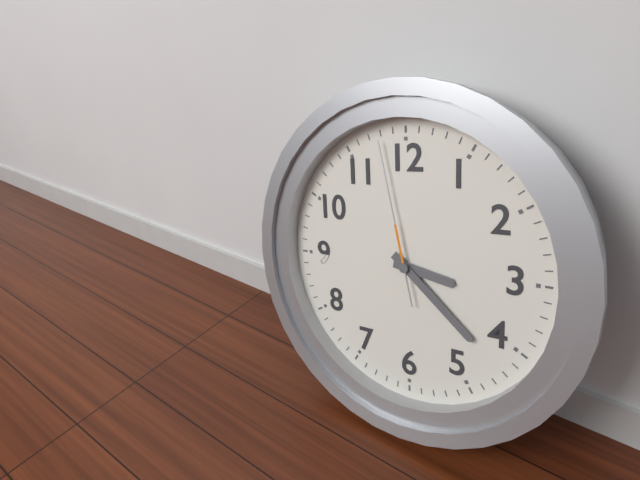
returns {"hour": 3, "minute": 22, "second": 58}
